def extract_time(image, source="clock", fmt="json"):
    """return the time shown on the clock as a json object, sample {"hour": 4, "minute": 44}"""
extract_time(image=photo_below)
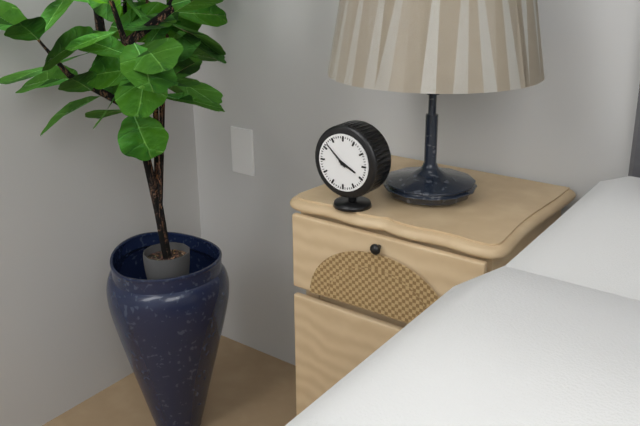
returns {"hour": 3, "minute": 52}
